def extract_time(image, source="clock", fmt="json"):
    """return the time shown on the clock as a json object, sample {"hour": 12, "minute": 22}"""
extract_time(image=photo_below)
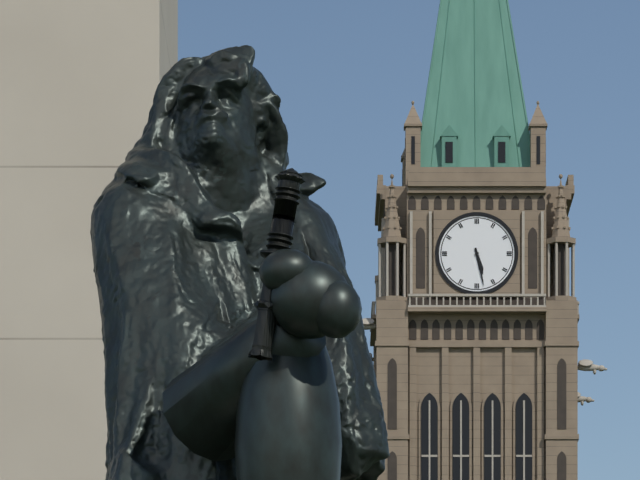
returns {"hour": 5, "minute": 28}
